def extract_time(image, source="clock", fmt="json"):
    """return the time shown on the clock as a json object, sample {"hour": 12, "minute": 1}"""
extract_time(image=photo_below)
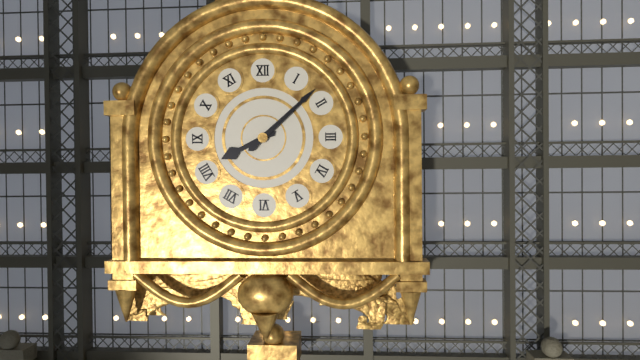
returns {"hour": 8, "minute": 8}
